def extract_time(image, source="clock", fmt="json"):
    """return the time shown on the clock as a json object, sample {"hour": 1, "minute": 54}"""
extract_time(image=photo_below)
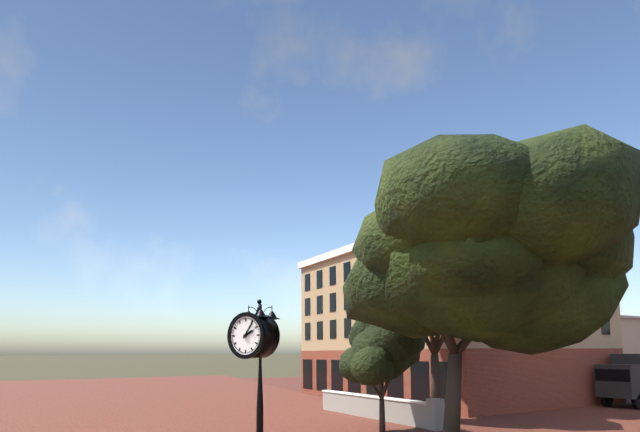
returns {"hour": 2, "minute": 6}
